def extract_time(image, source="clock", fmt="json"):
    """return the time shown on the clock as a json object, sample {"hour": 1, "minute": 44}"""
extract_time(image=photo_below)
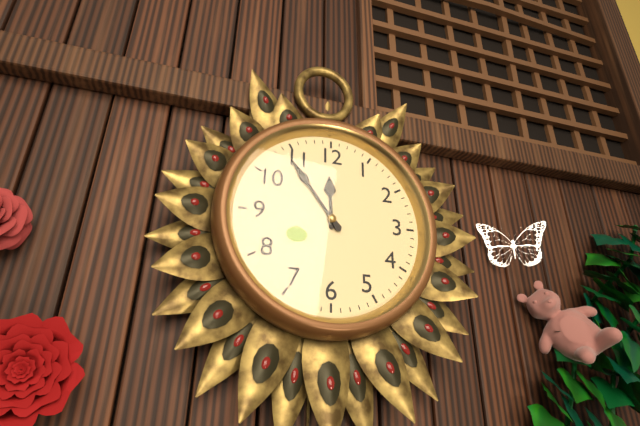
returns {"hour": 11, "minute": 54}
